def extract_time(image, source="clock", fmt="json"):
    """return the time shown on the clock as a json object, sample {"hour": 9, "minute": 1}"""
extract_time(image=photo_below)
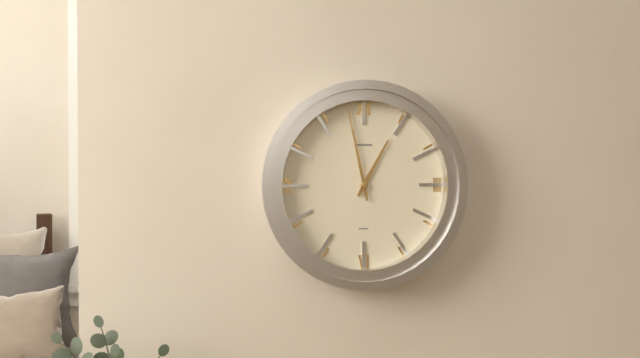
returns {"hour": 12, "minute": 58}
